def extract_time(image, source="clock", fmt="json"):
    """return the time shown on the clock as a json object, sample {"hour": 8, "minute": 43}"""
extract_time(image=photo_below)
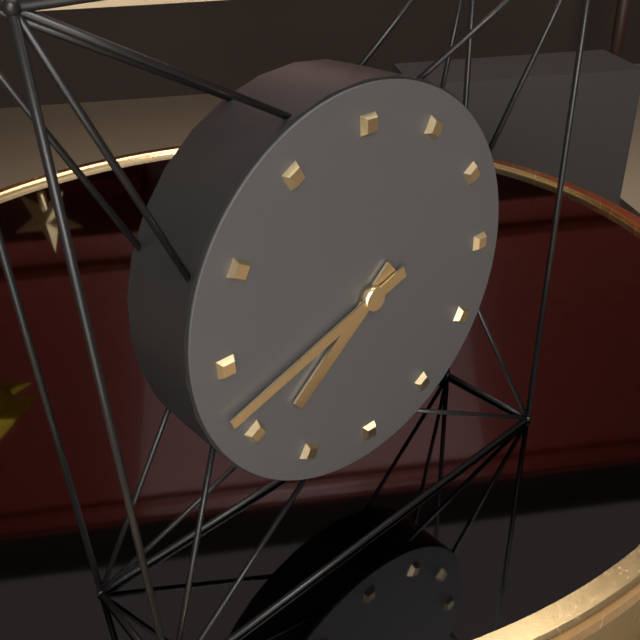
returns {"hour": 7, "minute": 42}
